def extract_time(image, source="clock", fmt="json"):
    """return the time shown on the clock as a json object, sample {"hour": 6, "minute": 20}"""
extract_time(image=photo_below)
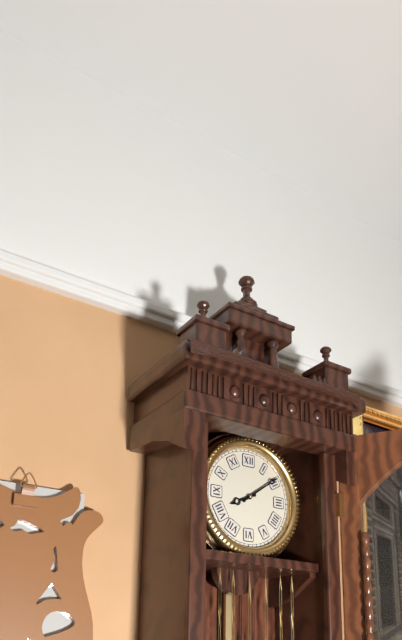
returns {"hour": 8, "minute": 9}
